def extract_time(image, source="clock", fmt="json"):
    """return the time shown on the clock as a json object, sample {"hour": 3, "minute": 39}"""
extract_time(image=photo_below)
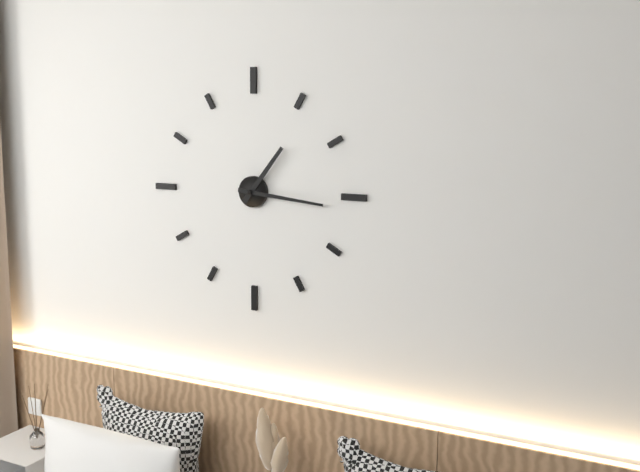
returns {"hour": 1, "minute": 16}
